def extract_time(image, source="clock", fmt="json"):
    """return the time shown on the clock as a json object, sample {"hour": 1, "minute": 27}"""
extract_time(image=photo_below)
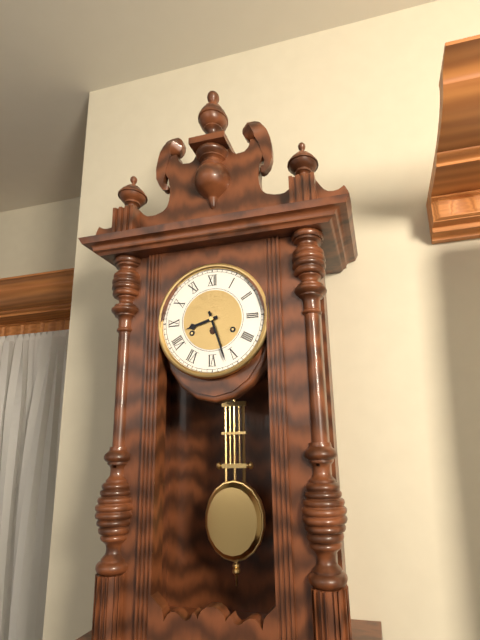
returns {"hour": 8, "minute": 27}
